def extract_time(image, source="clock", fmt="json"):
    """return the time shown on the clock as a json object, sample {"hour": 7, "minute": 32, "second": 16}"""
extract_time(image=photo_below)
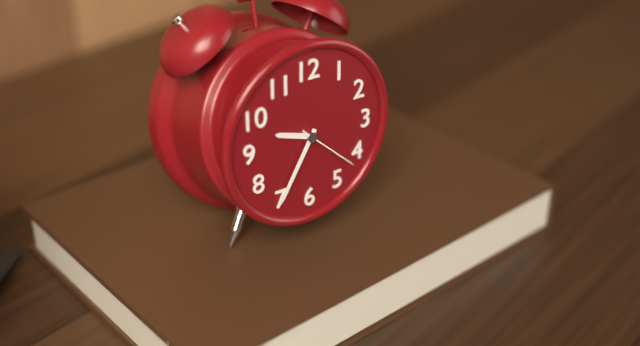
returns {"hour": 9, "minute": 35, "second": 22}
